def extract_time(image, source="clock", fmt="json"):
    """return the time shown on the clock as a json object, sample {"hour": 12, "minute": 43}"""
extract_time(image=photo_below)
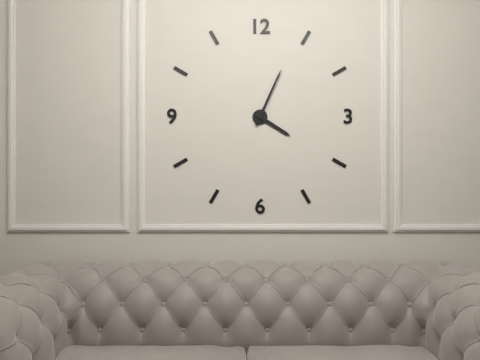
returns {"hour": 4, "minute": 4}
